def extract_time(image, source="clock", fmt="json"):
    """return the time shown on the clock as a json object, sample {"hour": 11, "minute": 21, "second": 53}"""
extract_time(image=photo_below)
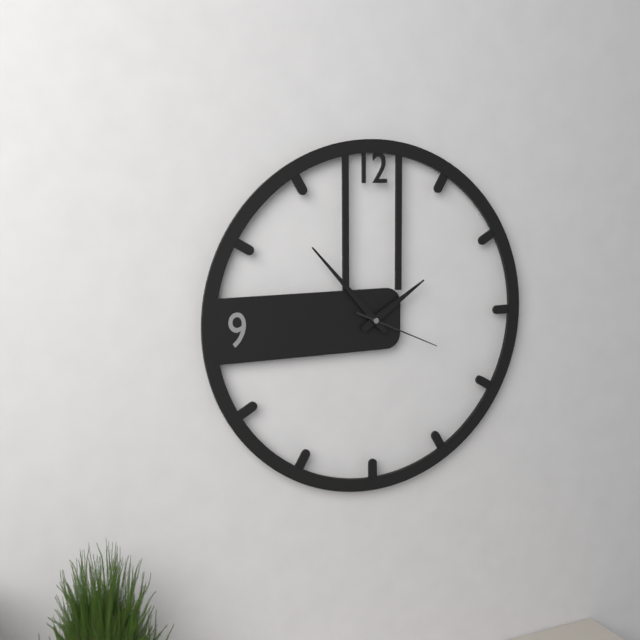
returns {"hour": 1, "minute": 53, "second": 19}
